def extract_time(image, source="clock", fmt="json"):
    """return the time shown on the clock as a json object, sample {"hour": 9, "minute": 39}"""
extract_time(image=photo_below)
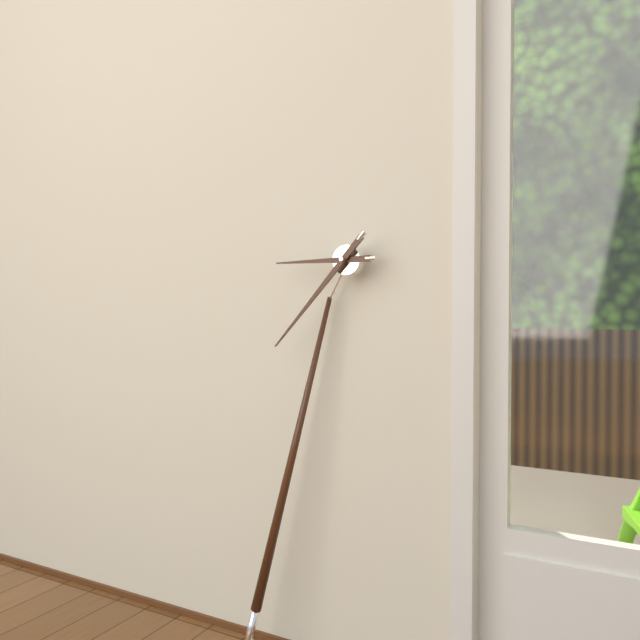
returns {"hour": 8, "minute": 35}
